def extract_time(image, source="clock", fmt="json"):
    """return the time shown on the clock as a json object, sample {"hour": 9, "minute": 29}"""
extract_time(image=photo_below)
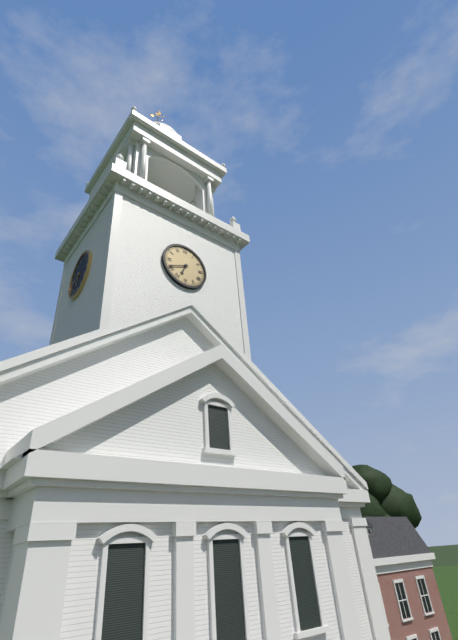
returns {"hour": 6, "minute": 41}
